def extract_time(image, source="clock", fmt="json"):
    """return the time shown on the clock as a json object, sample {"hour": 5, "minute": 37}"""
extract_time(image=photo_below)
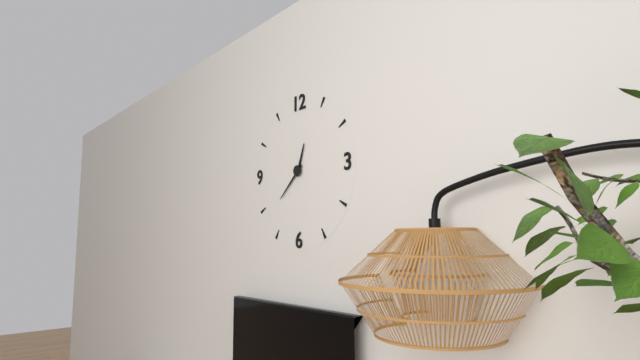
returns {"hour": 12, "minute": 38}
